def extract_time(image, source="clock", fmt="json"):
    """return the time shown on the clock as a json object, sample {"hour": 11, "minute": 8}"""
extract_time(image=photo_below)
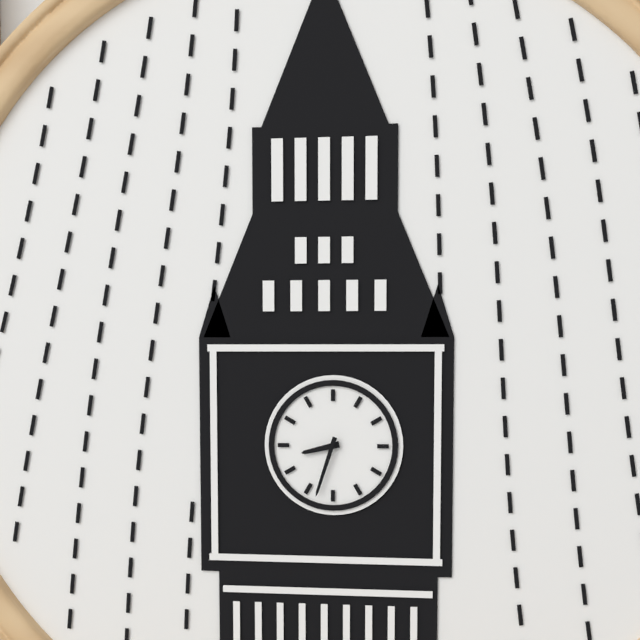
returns {"hour": 8, "minute": 33}
